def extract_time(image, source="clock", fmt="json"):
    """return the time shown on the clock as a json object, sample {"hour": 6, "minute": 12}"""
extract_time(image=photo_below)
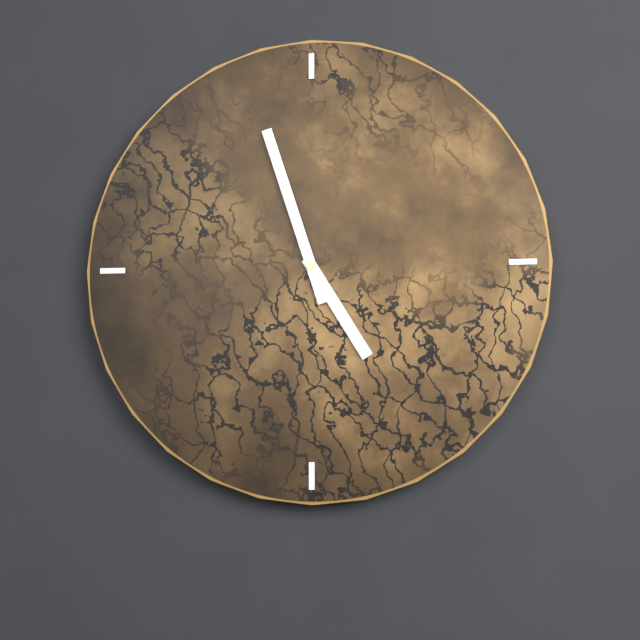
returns {"hour": 4, "minute": 57}
